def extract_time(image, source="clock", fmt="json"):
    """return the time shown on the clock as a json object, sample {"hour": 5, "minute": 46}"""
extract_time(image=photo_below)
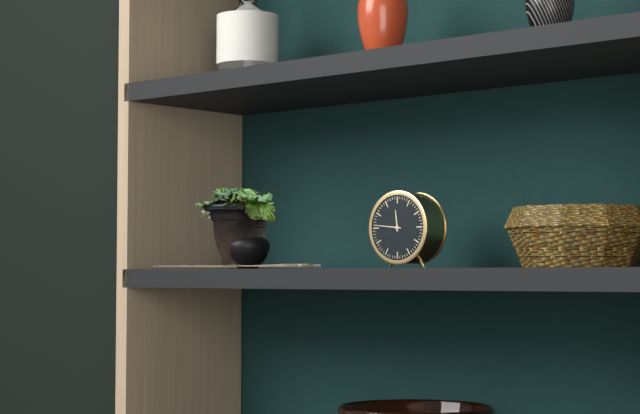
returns {"hour": 11, "minute": 46}
